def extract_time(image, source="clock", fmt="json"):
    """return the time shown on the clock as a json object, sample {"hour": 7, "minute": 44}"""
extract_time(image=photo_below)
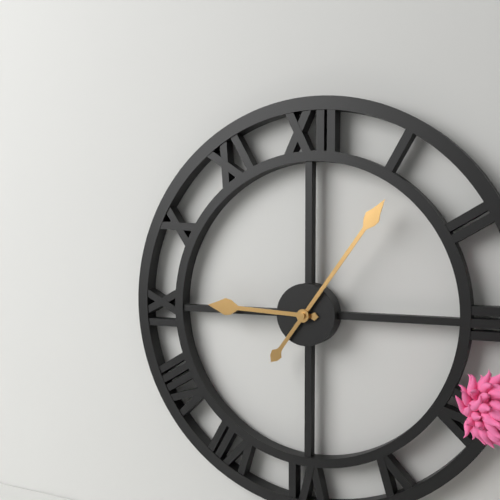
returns {"hour": 9, "minute": 6}
